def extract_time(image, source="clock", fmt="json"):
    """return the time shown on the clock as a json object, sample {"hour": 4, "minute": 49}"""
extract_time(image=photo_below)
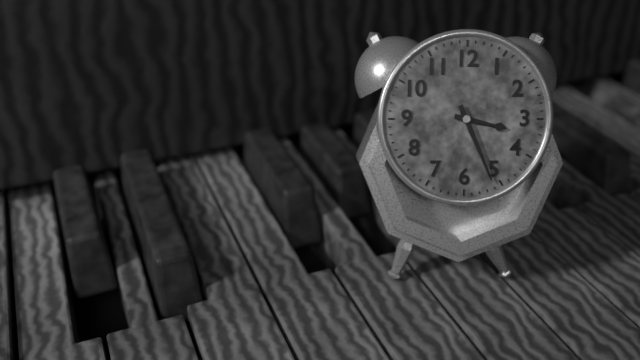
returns {"hour": 3, "minute": 26}
